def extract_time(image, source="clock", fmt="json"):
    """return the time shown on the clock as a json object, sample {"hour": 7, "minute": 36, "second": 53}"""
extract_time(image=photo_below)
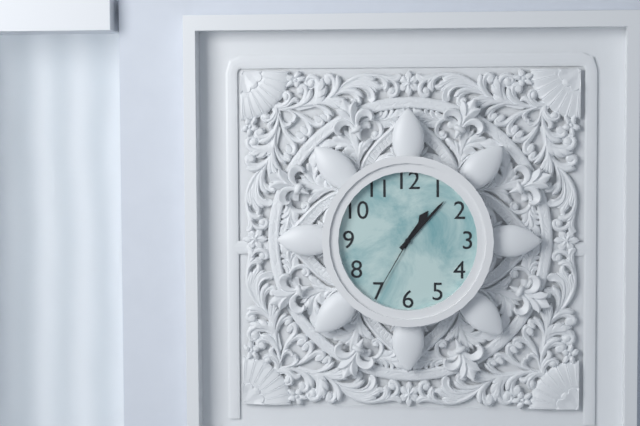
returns {"hour": 1, "minute": 7, "second": 35}
